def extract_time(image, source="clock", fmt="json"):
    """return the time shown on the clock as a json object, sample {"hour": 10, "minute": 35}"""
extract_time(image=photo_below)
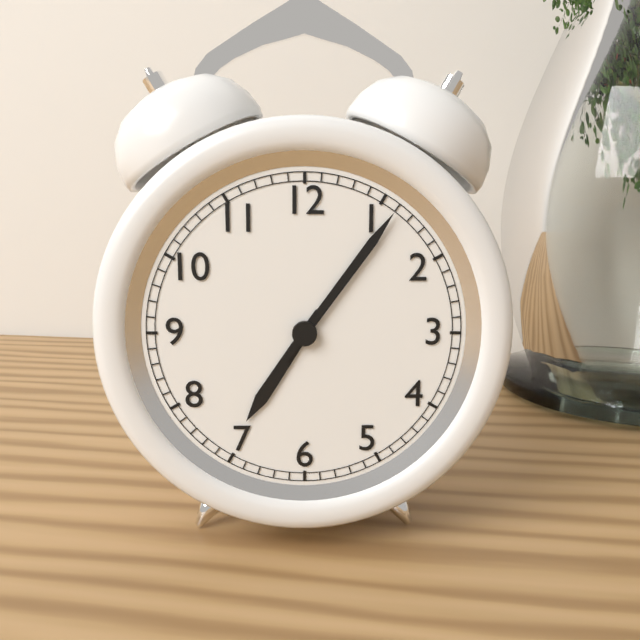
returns {"hour": 7, "minute": 6}
